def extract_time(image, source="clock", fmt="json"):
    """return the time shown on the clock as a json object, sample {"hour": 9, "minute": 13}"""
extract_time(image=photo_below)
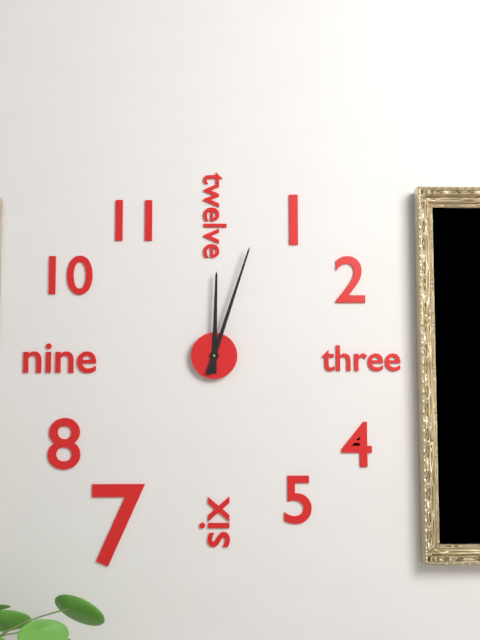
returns {"hour": 12, "minute": 3}
